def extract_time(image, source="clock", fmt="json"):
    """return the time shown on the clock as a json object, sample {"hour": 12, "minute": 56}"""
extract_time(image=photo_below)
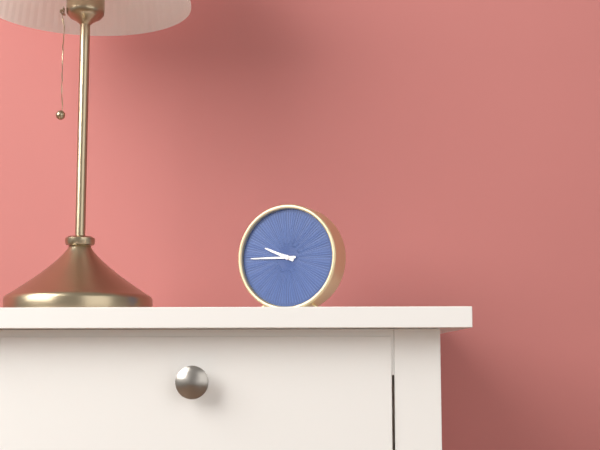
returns {"hour": 9, "minute": 45}
